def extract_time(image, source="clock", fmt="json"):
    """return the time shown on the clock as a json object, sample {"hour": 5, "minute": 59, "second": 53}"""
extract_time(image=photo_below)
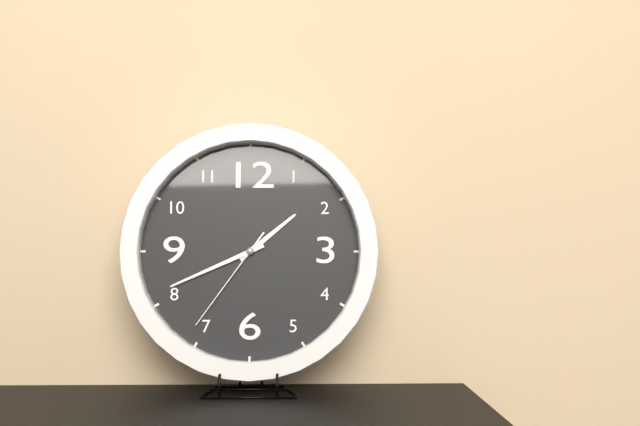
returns {"hour": 1, "minute": 41, "second": 36}
